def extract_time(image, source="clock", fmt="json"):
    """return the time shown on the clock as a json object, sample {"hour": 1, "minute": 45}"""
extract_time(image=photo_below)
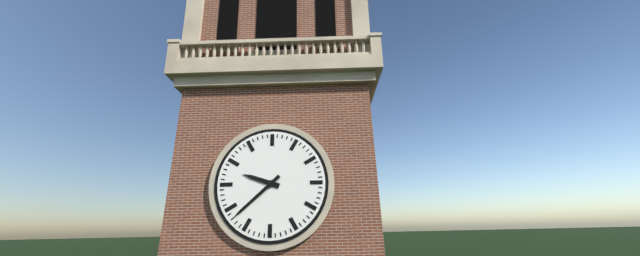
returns {"hour": 9, "minute": 38}
